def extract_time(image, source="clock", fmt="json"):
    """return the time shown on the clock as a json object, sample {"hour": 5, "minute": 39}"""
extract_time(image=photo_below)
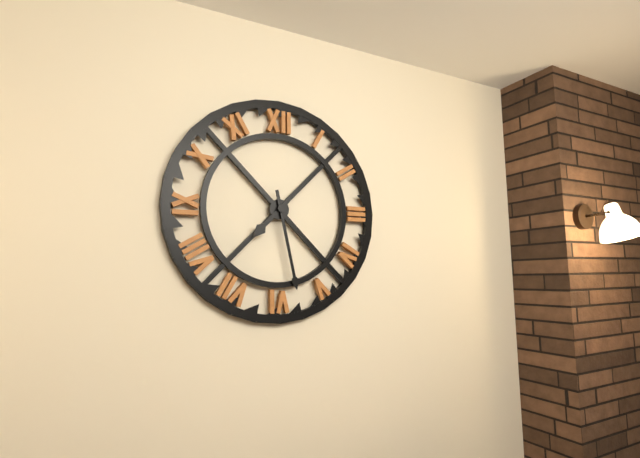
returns {"hour": 7, "minute": 28}
